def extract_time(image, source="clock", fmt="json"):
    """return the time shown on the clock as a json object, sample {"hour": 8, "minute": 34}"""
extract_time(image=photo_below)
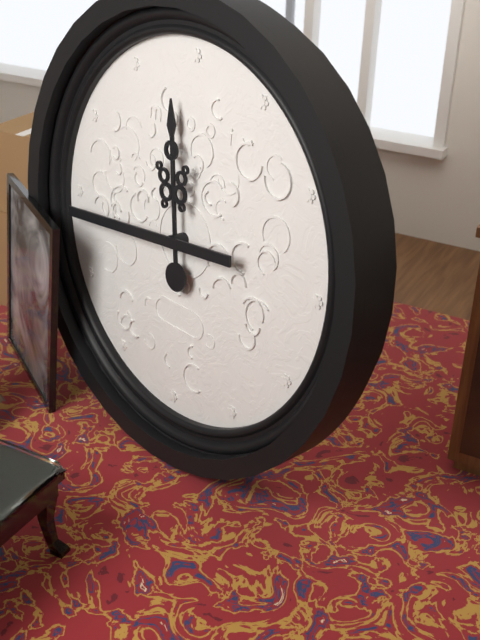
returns {"hour": 11, "minute": 44}
